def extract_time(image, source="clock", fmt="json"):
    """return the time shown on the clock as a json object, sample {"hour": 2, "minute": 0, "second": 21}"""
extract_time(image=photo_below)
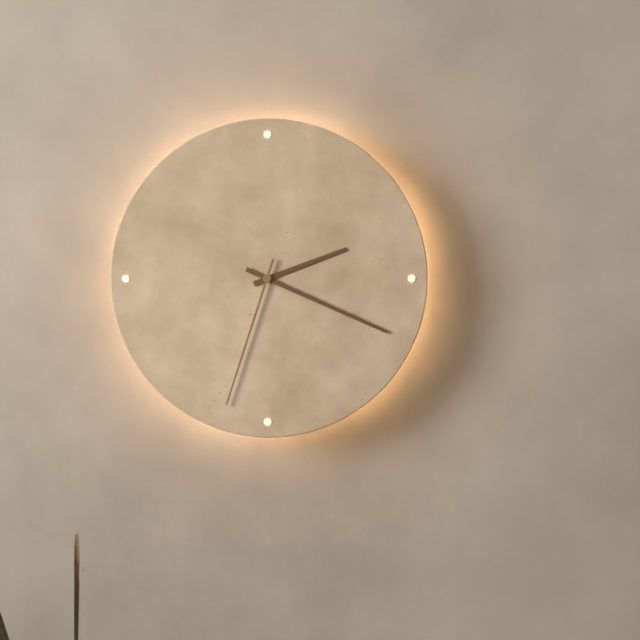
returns {"hour": 2, "minute": 19, "second": 33}
